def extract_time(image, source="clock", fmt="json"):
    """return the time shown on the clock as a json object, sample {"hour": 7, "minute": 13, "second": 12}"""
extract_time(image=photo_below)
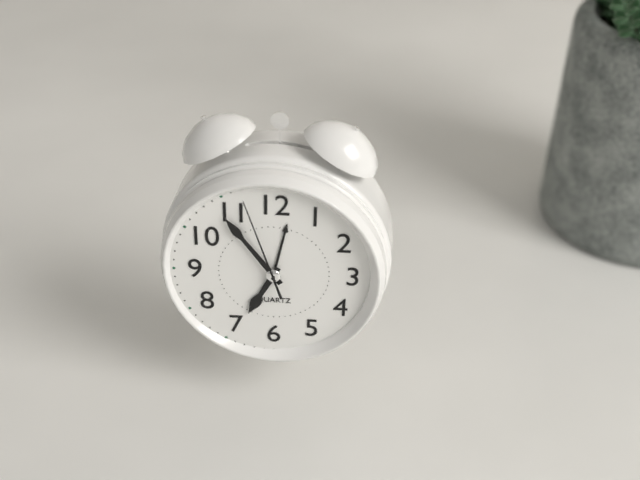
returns {"hour": 6, "minute": 54, "second": 57}
